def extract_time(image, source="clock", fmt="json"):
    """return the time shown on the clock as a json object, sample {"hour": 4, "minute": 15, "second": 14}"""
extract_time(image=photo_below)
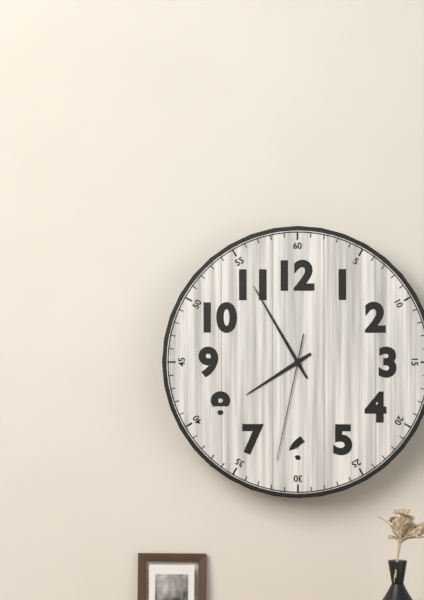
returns {"hour": 7, "minute": 55, "second": 32}
